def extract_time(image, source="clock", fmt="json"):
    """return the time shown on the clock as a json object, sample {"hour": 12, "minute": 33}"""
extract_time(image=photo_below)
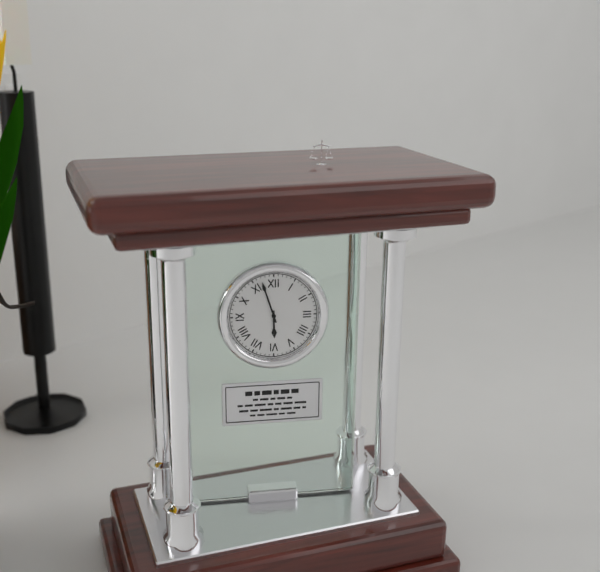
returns {"hour": 5, "minute": 57}
